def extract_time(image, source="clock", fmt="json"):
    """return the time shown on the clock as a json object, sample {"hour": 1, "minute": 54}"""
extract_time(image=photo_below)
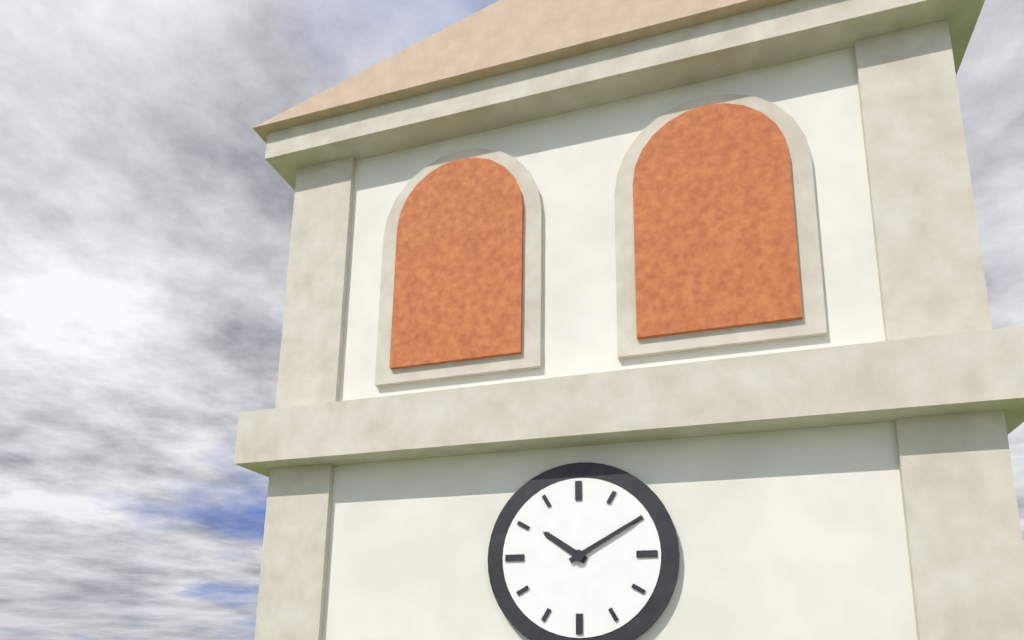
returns {"hour": 10, "minute": 10}
